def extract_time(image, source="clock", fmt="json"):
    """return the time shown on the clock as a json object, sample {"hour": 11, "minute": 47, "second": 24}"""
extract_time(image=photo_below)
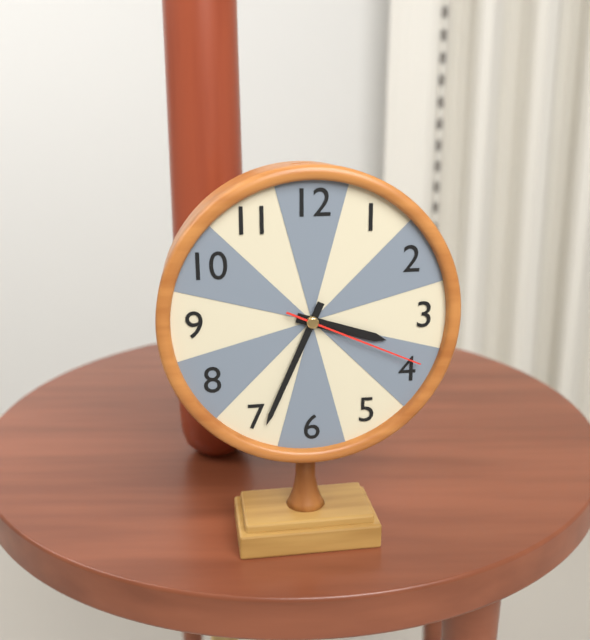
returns {"hour": 3, "minute": 34, "second": 19}
